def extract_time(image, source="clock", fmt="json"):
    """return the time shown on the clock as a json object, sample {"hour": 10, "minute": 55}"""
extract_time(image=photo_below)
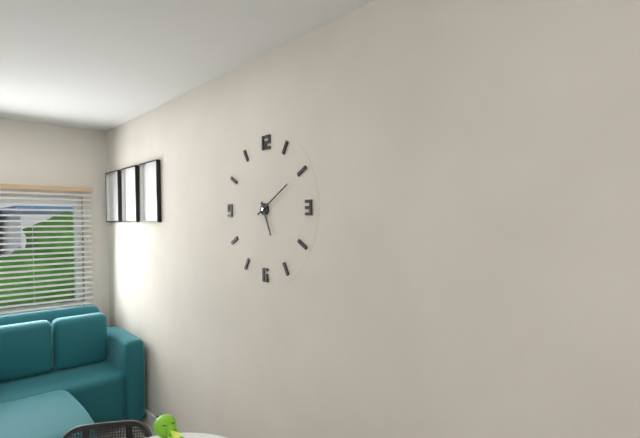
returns {"hour": 5, "minute": 10}
